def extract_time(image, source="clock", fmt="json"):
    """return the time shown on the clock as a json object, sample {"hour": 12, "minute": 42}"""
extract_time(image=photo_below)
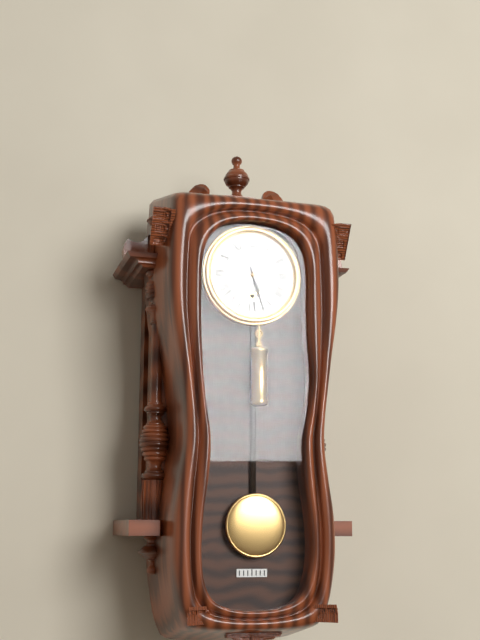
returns {"hour": 5, "minute": 27}
